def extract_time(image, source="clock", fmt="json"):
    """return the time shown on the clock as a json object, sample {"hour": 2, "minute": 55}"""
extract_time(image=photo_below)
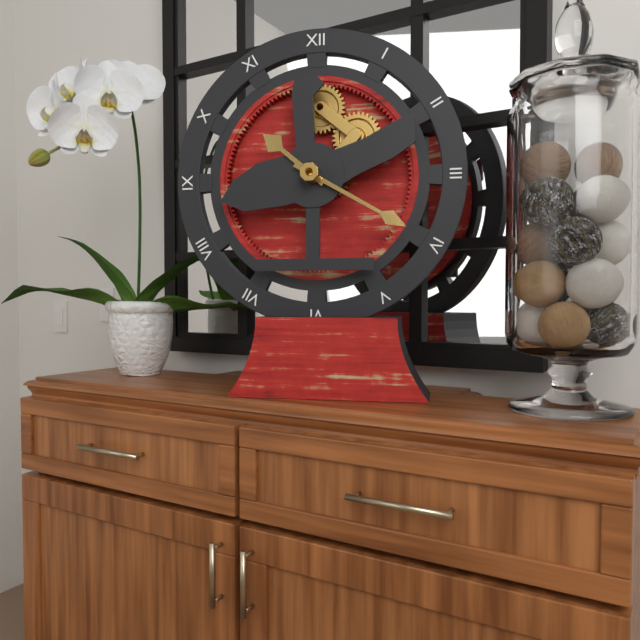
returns {"hour": 10, "minute": 20}
